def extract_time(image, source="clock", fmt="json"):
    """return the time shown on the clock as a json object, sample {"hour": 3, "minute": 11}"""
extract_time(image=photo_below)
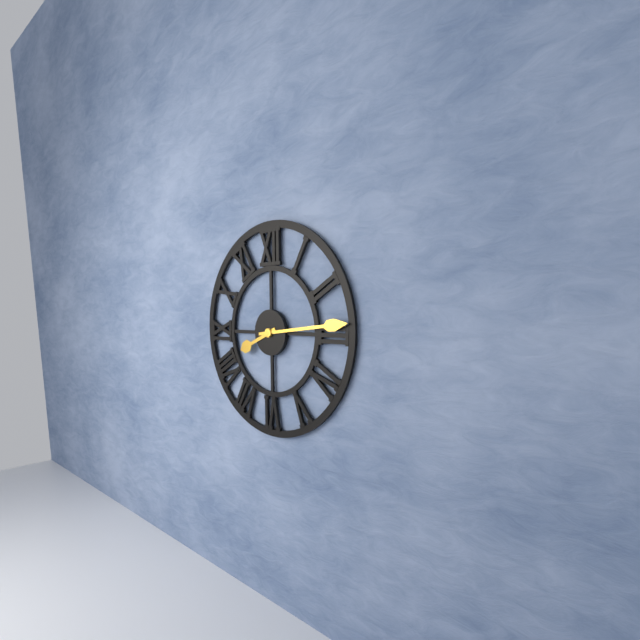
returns {"hour": 8, "minute": 14}
